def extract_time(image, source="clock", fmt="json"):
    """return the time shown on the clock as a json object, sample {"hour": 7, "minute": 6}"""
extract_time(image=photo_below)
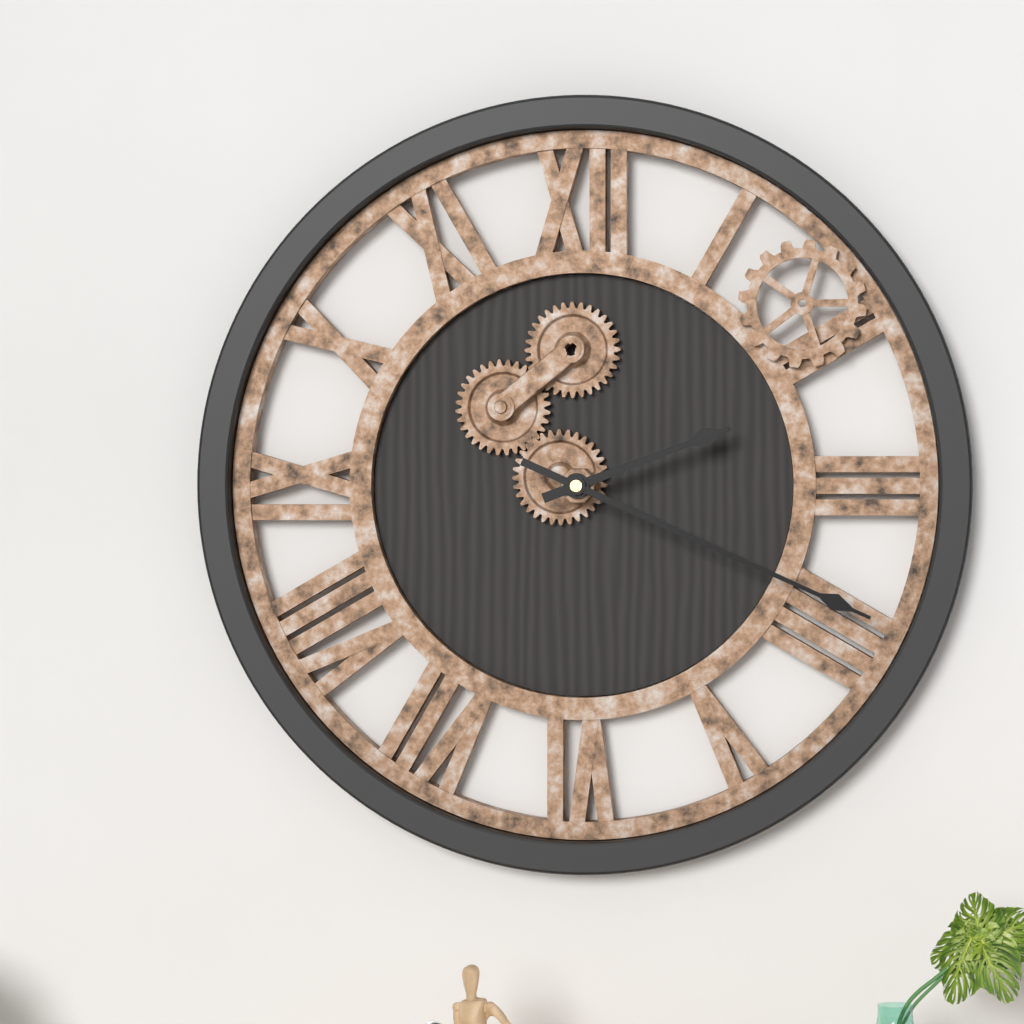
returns {"hour": 2, "minute": 19}
